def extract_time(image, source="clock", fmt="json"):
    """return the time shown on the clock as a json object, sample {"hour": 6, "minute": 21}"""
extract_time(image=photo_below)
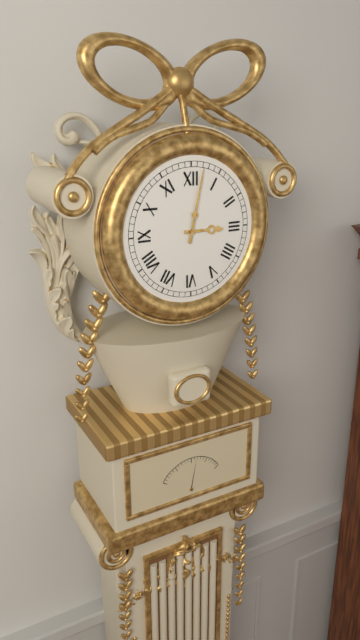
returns {"hour": 3, "minute": 2}
